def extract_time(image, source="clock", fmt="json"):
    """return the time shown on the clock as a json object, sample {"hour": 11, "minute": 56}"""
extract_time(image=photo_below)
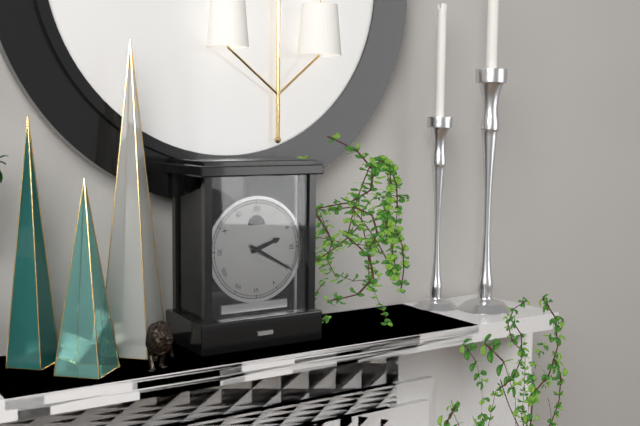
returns {"hour": 2, "minute": 20}
